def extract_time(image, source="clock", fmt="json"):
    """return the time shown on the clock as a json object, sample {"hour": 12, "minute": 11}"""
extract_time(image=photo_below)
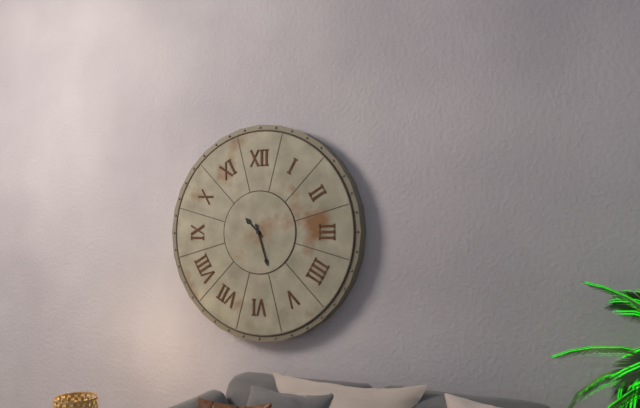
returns {"hour": 10, "minute": 27}
